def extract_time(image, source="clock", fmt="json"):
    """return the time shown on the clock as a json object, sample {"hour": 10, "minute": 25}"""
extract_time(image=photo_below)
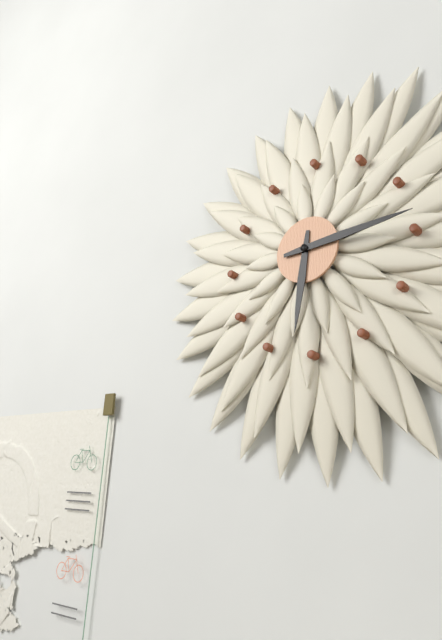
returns {"hour": 6, "minute": 14}
